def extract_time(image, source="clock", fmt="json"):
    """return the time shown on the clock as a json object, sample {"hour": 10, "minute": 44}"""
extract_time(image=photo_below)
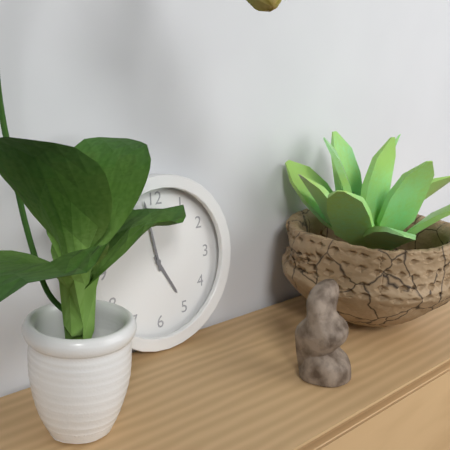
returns {"hour": 4, "minute": 58}
